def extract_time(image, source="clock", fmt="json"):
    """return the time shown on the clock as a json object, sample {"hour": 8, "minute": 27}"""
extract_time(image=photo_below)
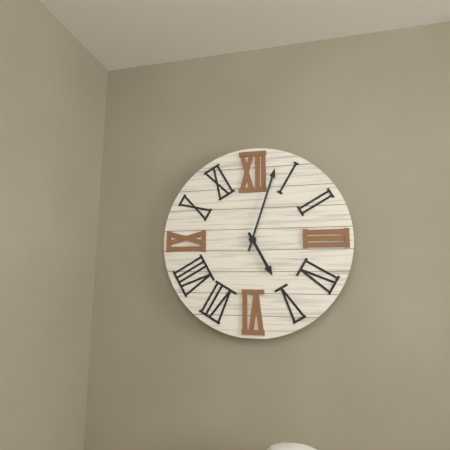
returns {"hour": 5, "minute": 3}
